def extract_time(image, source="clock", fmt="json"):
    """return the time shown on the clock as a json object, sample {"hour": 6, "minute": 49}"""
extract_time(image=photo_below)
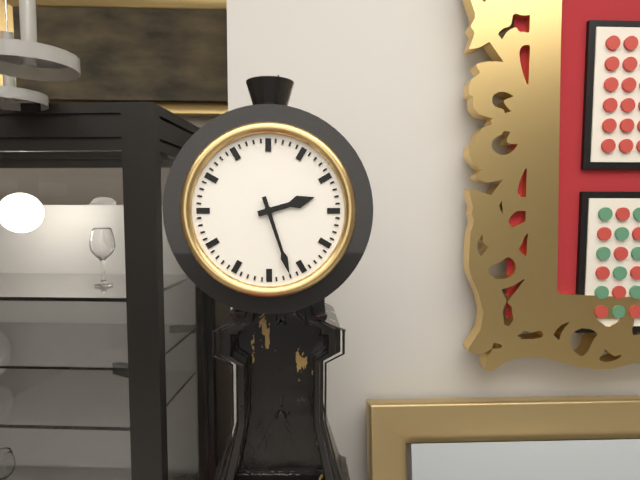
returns {"hour": 2, "minute": 27}
